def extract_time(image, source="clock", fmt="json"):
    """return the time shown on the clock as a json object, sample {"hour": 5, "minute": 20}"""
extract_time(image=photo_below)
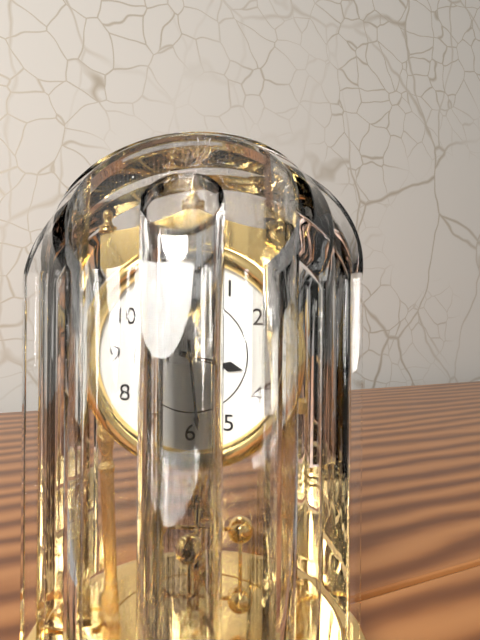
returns {"hour": 3, "minute": 29}
